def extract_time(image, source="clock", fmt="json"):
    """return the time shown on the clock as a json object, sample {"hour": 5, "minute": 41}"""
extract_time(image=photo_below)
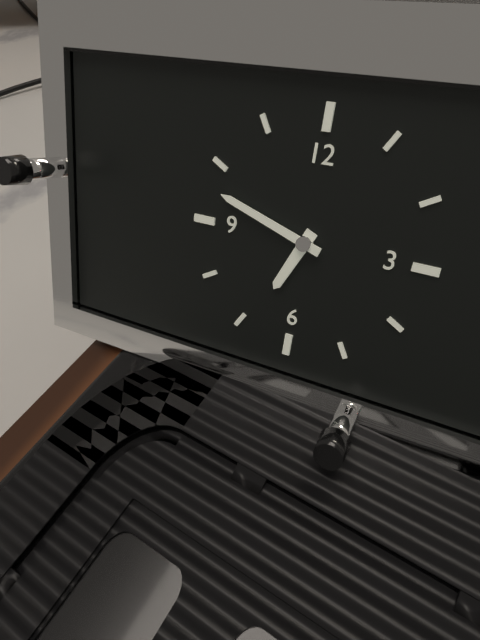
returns {"hour": 6, "minute": 48}
